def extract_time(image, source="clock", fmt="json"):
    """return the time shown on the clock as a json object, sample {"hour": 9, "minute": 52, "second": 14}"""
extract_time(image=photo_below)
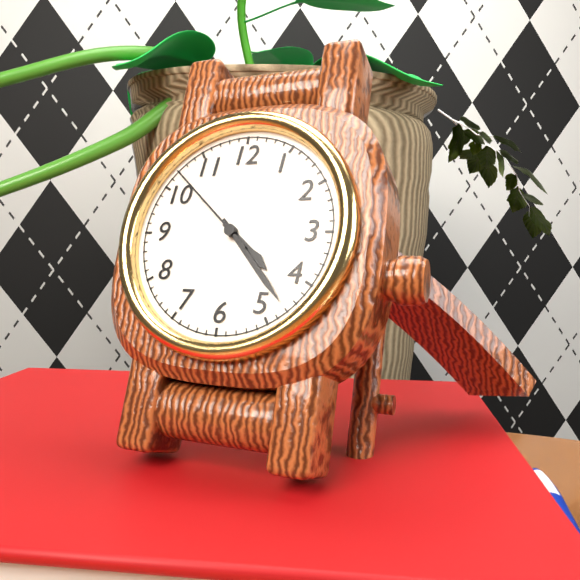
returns {"hour": 4, "minute": 23, "second": 52}
